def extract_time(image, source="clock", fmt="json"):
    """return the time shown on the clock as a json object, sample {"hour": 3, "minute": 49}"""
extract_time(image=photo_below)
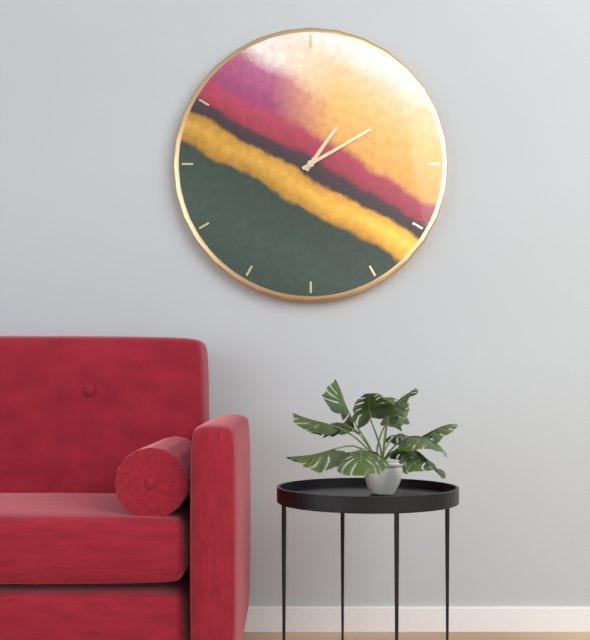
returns {"hour": 1, "minute": 10}
